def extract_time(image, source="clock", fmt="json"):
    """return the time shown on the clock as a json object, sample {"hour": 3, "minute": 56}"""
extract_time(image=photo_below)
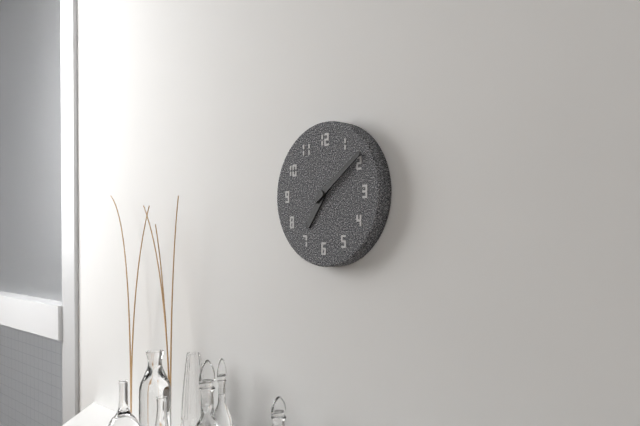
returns {"hour": 7, "minute": 9}
